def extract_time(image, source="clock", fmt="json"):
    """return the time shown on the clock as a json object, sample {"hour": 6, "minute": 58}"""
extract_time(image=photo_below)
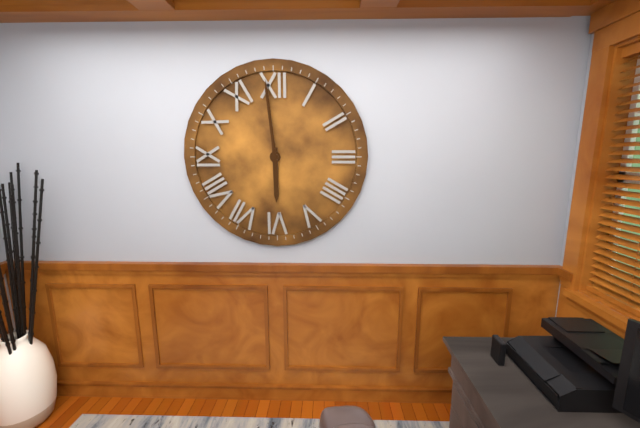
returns {"hour": 5, "minute": 59}
